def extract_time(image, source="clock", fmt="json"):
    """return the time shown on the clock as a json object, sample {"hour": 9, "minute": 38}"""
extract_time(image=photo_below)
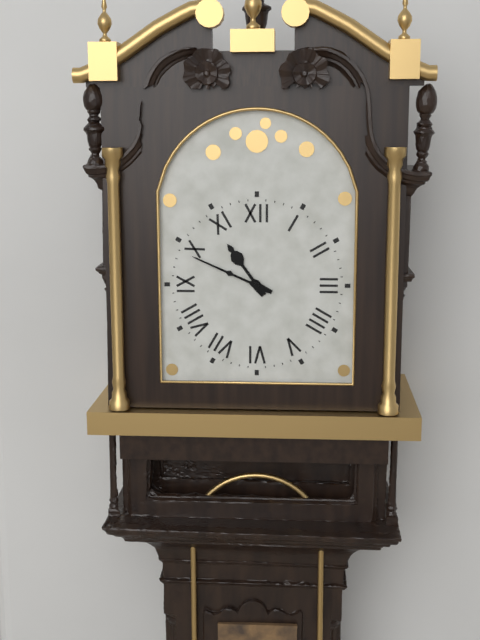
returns {"hour": 10, "minute": 49}
